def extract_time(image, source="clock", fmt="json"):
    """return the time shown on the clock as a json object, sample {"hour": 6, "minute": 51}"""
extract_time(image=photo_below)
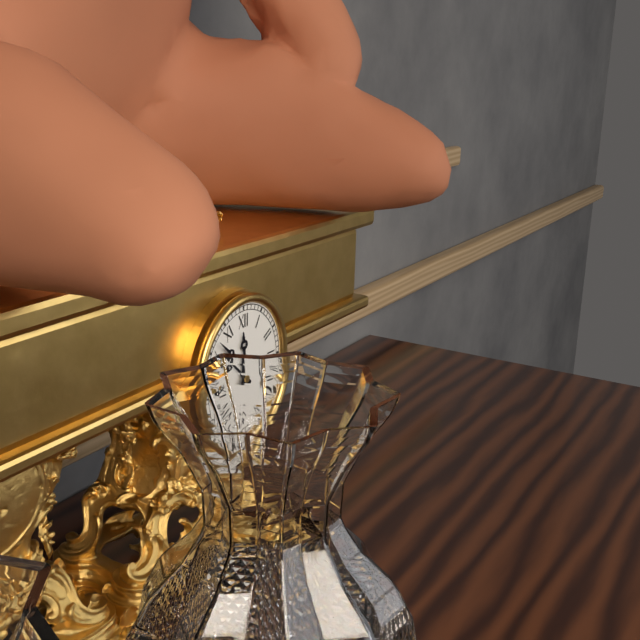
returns {"hour": 11, "minute": 52}
